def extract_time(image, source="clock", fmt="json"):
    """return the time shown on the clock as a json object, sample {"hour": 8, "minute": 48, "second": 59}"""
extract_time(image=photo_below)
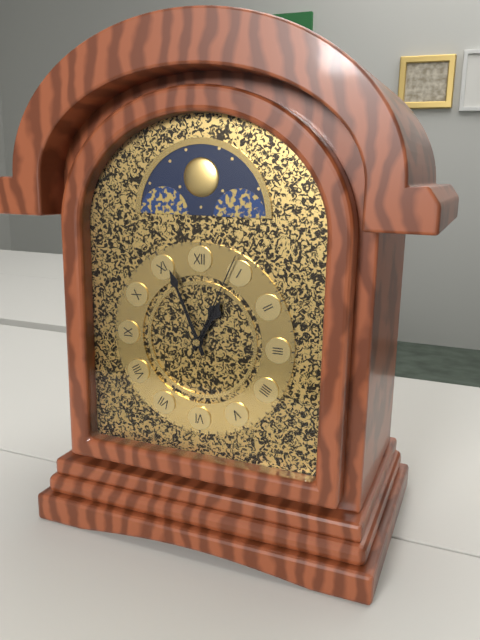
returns {"hour": 12, "minute": 56, "second": 4}
